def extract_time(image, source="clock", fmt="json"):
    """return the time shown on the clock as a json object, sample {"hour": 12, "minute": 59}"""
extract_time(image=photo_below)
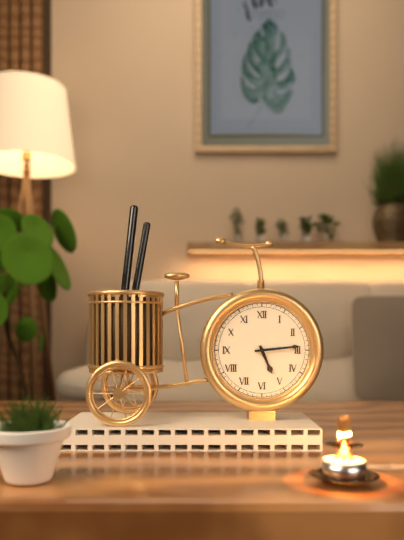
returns {"hour": 5, "minute": 14}
